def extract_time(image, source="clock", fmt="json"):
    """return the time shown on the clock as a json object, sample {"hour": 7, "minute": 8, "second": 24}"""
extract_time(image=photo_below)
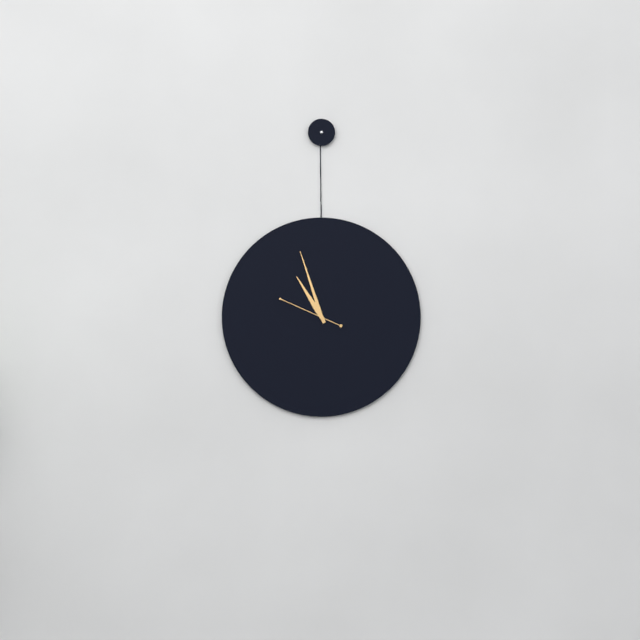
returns {"hour": 10, "minute": 57, "second": 49}
